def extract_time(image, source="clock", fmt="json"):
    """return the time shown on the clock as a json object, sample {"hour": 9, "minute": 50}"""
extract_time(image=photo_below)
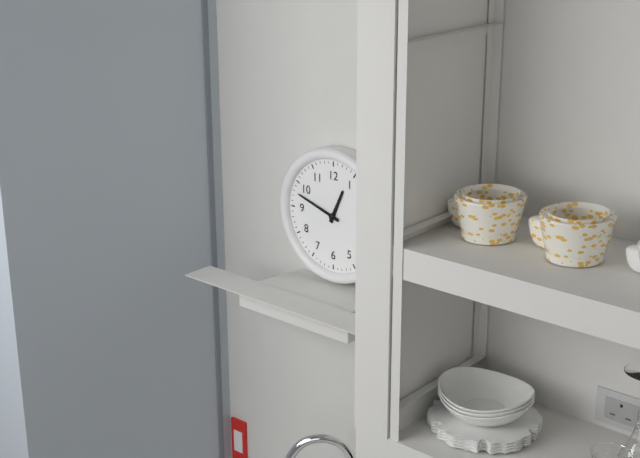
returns {"hour": 12, "minute": 48}
